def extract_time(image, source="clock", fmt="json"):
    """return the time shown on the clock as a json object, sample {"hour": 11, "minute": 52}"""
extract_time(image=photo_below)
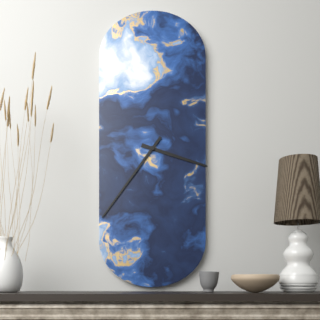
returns {"hour": 3, "minute": 36}
